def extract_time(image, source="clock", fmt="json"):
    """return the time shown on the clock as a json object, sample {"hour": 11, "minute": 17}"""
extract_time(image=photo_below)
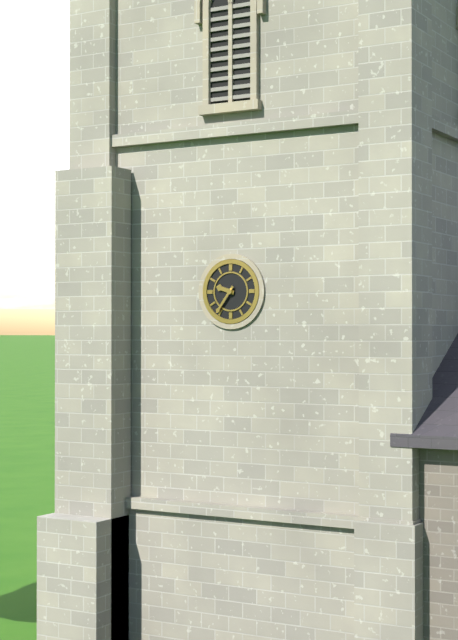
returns {"hour": 9, "minute": 36}
